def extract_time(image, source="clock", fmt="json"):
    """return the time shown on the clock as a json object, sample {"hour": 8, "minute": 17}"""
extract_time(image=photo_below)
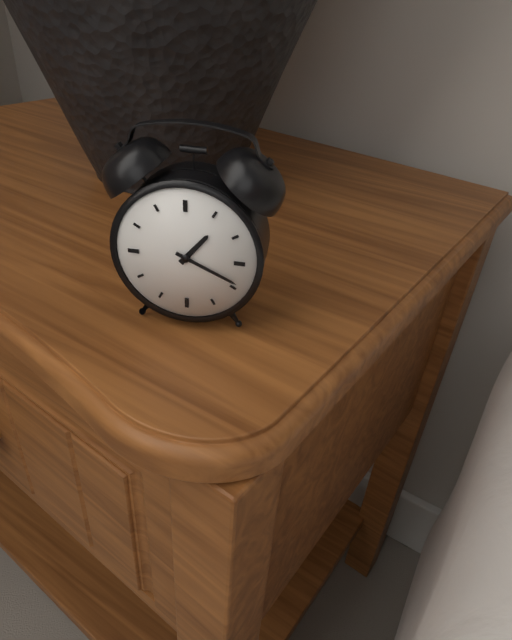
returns {"hour": 1, "minute": 19}
